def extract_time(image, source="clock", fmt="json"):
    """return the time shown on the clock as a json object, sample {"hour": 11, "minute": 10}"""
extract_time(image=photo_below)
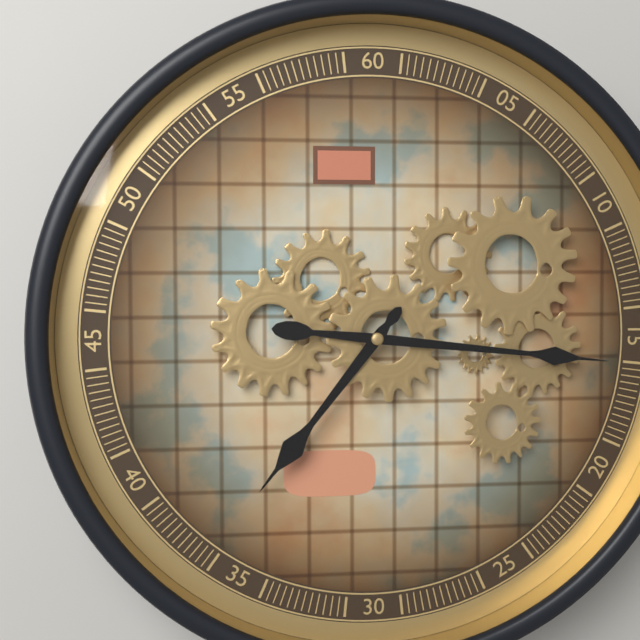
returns {"hour": 7, "minute": 16}
